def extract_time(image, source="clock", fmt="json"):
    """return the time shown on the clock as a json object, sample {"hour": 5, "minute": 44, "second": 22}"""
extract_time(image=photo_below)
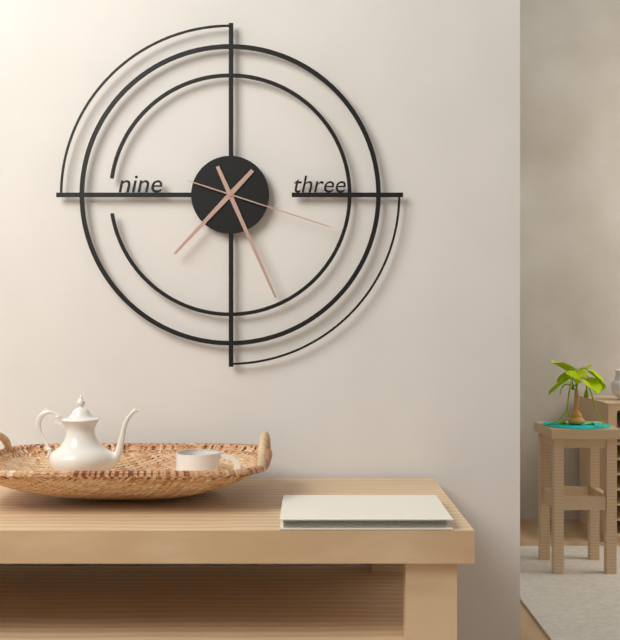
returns {"hour": 7, "minute": 26, "second": 18}
